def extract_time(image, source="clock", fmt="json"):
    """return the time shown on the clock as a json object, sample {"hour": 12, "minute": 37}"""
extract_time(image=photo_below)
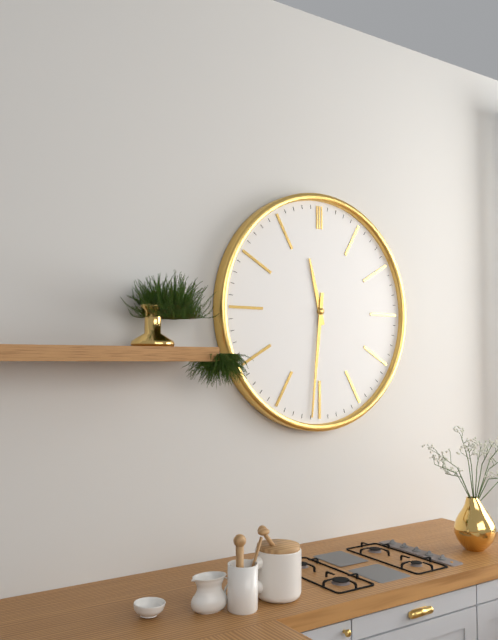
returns {"hour": 11, "minute": 31}
